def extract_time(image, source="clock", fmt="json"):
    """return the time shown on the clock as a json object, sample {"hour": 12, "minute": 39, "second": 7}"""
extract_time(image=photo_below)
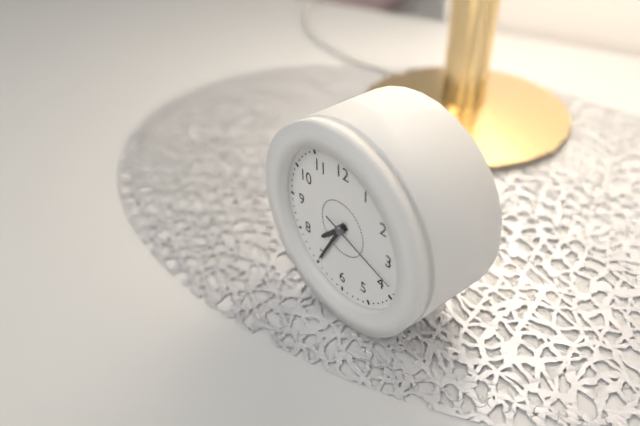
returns {"hour": 7, "minute": 35, "second": 18}
